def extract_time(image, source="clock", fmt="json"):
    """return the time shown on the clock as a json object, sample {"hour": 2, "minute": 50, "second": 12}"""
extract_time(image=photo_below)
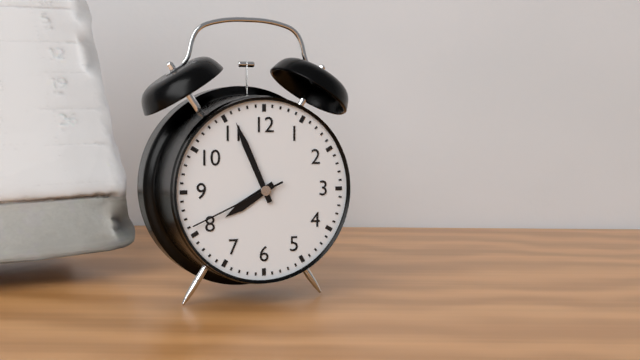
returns {"hour": 7, "minute": 56, "second": 41}
